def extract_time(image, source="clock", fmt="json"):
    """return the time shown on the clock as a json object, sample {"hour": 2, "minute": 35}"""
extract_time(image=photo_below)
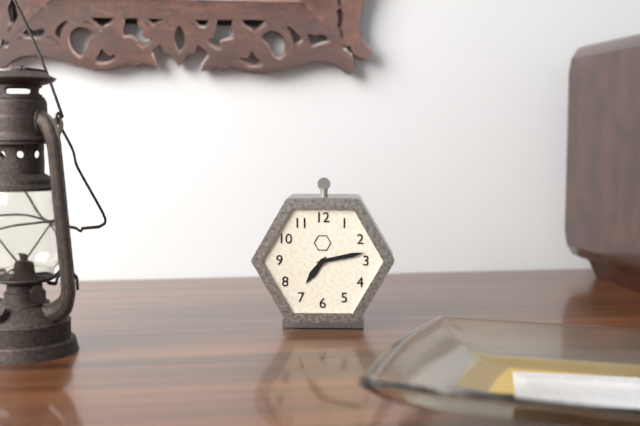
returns {"hour": 7, "minute": 13}
